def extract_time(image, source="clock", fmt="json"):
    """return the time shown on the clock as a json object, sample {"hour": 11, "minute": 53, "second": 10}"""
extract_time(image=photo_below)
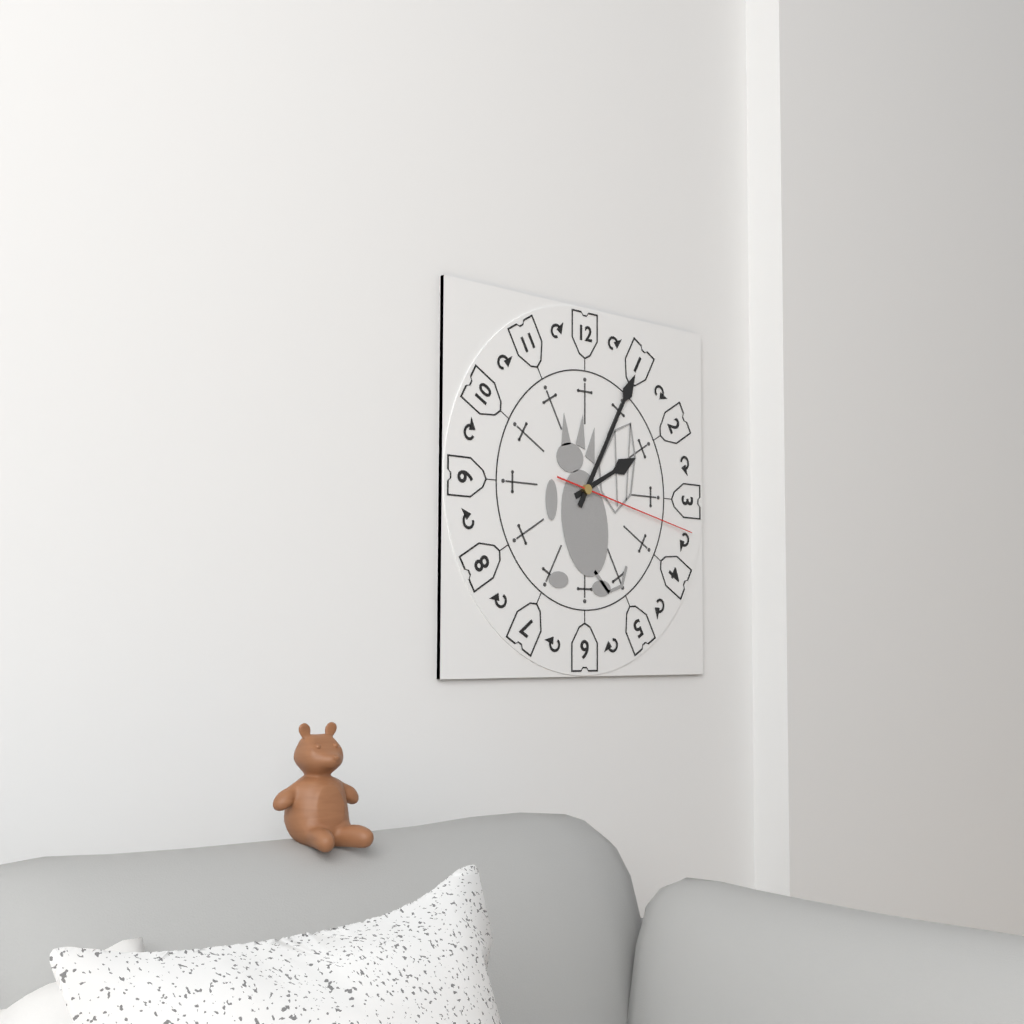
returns {"hour": 2, "minute": 5, "second": 17}
